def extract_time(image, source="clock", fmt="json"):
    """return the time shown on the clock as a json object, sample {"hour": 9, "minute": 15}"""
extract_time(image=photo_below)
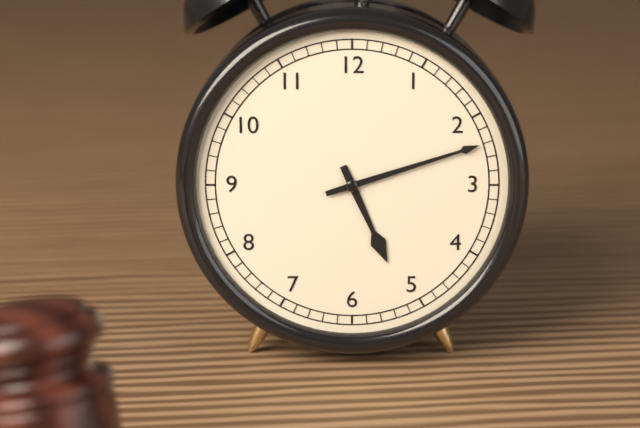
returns {"hour": 5, "minute": 12}
